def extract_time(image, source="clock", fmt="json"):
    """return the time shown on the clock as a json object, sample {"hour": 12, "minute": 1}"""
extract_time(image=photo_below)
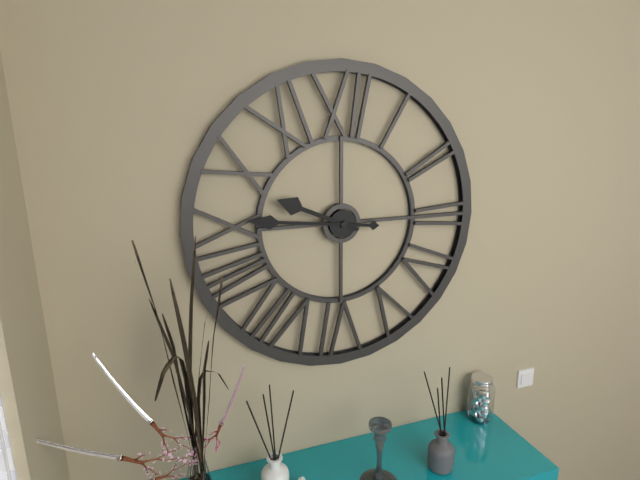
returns {"hour": 9, "minute": 46}
